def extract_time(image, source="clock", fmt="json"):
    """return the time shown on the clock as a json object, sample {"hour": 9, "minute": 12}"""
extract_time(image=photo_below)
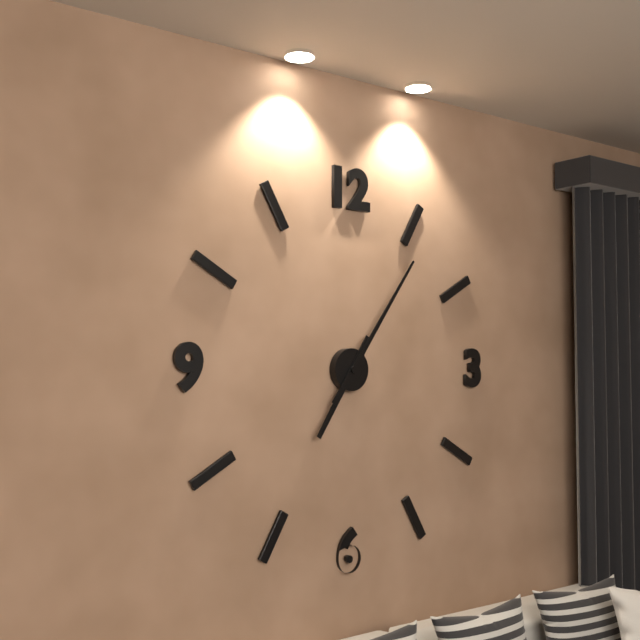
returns {"hour": 7, "minute": 6}
